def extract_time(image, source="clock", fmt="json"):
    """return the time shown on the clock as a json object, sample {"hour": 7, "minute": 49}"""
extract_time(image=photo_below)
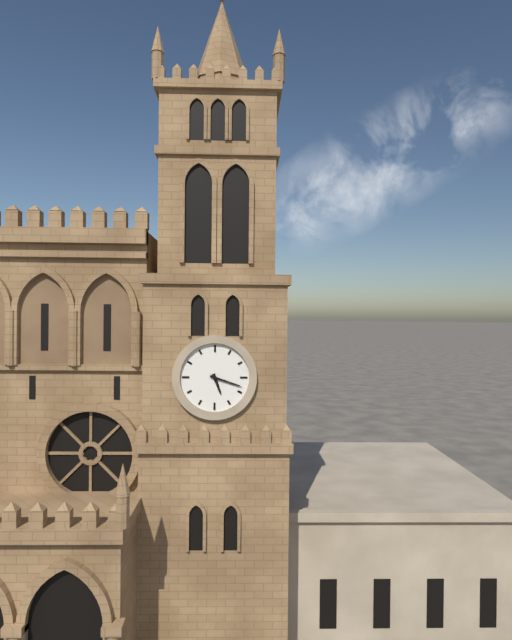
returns {"hour": 5, "minute": 18}
